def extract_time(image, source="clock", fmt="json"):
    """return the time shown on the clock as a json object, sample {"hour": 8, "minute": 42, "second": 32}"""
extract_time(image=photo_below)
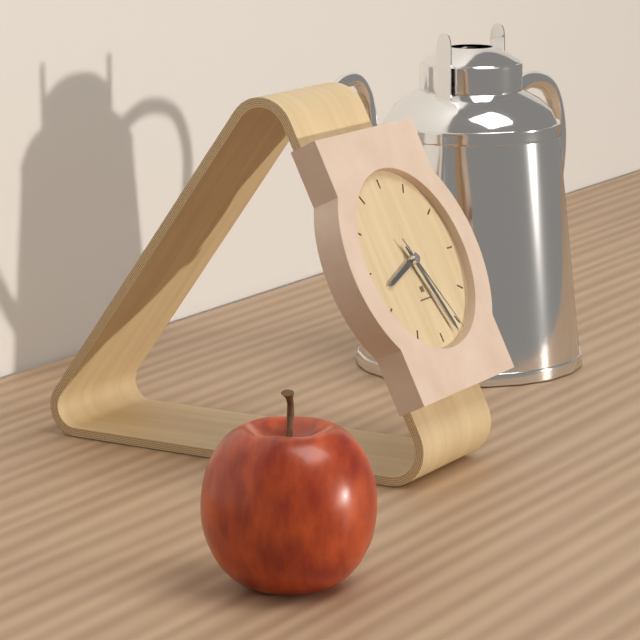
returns {"hour": 8, "minute": 27, "second": 26}
